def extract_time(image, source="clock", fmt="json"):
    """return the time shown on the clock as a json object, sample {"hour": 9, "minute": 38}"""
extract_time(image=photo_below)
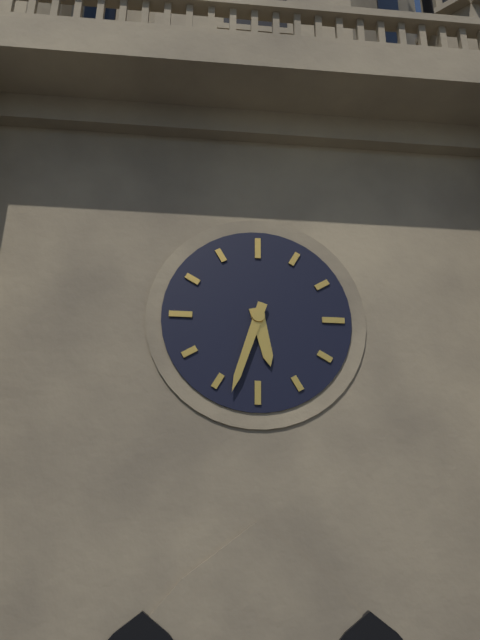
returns {"hour": 5, "minute": 33}
